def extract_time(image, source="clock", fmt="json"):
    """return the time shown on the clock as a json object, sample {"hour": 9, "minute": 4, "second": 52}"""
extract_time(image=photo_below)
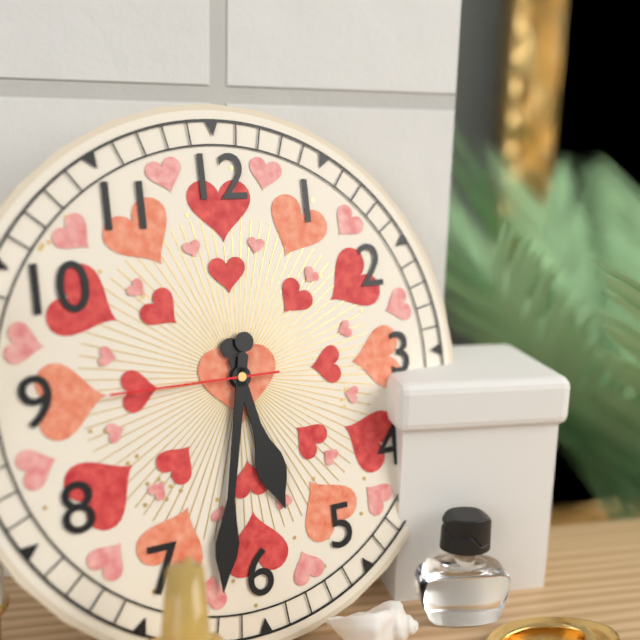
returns {"hour": 5, "minute": 32, "second": 45}
